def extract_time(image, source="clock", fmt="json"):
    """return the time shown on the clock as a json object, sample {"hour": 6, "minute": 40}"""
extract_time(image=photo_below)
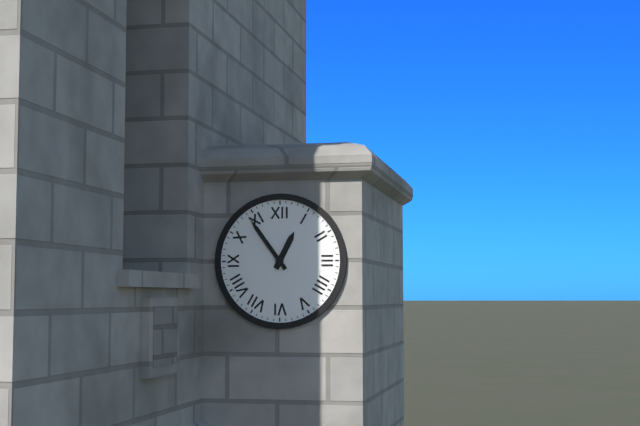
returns {"hour": 12, "minute": 54}
